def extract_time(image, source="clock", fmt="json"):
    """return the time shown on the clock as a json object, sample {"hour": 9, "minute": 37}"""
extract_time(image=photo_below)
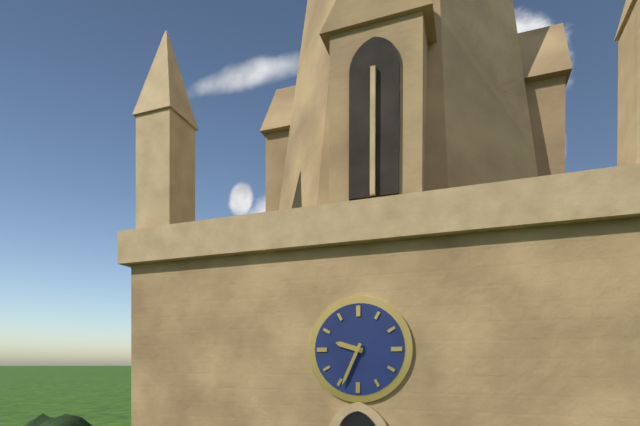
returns {"hour": 9, "minute": 34}
